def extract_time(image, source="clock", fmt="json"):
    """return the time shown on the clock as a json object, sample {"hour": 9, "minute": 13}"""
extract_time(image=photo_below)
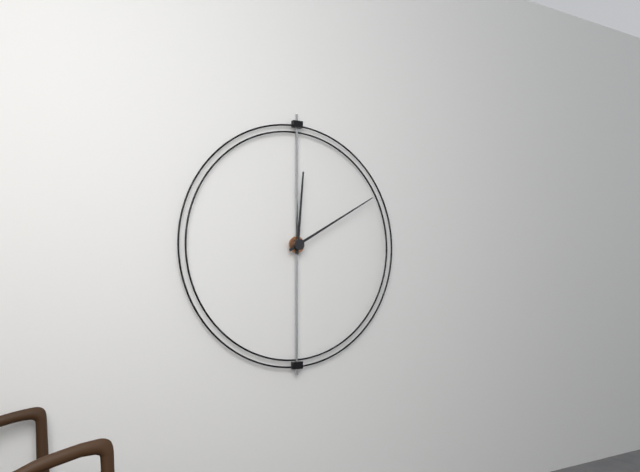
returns {"hour": 12, "minute": 10}
